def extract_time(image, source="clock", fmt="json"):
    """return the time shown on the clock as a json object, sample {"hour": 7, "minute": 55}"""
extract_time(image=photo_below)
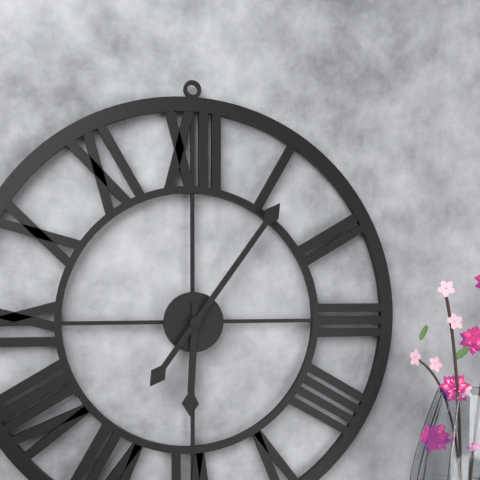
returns {"hour": 6, "minute": 6}
